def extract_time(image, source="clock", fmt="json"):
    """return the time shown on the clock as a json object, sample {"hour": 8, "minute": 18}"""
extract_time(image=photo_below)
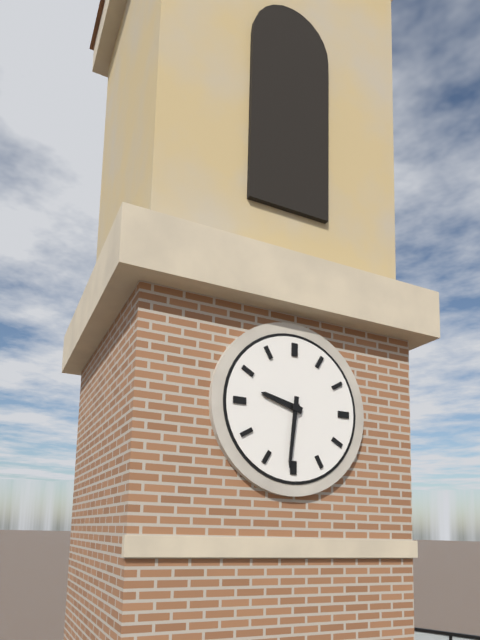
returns {"hour": 9, "minute": 31}
